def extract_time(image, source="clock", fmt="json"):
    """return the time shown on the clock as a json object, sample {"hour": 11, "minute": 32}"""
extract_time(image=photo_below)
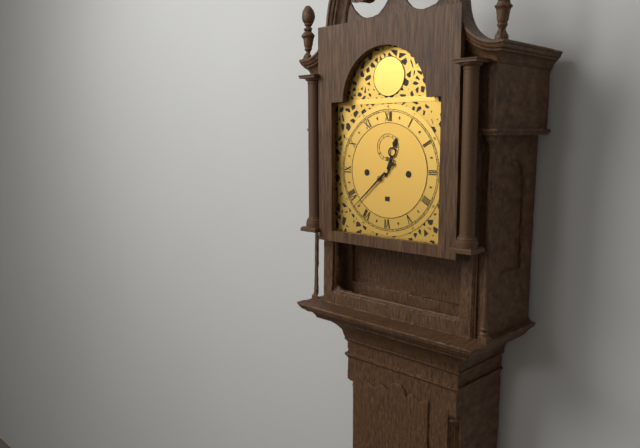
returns {"hour": 12, "minute": 38}
